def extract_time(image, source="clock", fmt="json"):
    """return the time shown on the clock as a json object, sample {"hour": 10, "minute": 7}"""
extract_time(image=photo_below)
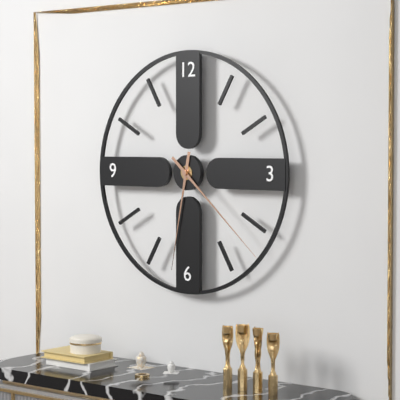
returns {"hour": 6, "minute": 22}
